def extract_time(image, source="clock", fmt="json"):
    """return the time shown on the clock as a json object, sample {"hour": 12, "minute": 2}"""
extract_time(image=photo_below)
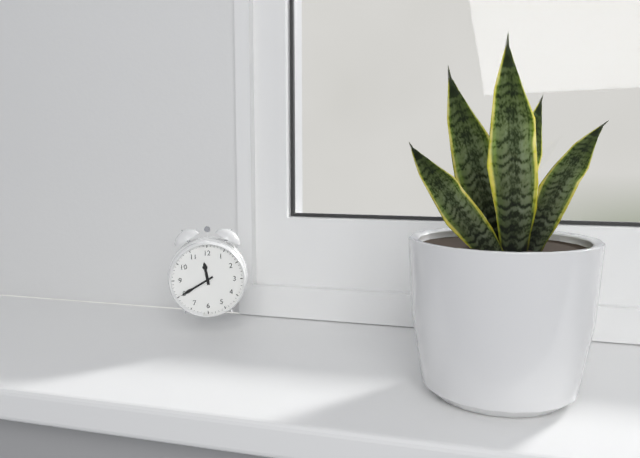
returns {"hour": 11, "minute": 40}
